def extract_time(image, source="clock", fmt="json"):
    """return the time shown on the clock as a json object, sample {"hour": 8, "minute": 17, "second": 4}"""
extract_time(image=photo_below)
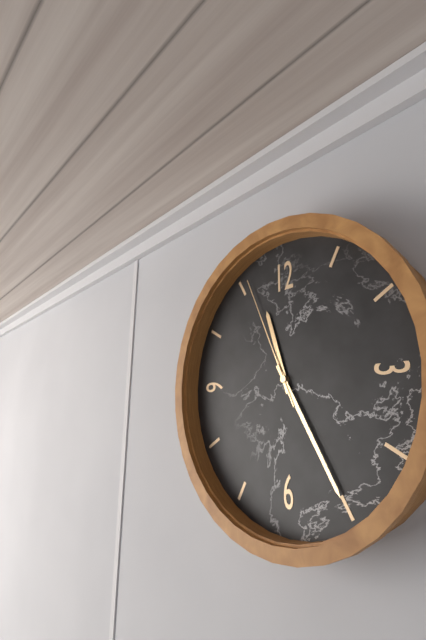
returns {"hour": 11, "minute": 25, "second": 56}
